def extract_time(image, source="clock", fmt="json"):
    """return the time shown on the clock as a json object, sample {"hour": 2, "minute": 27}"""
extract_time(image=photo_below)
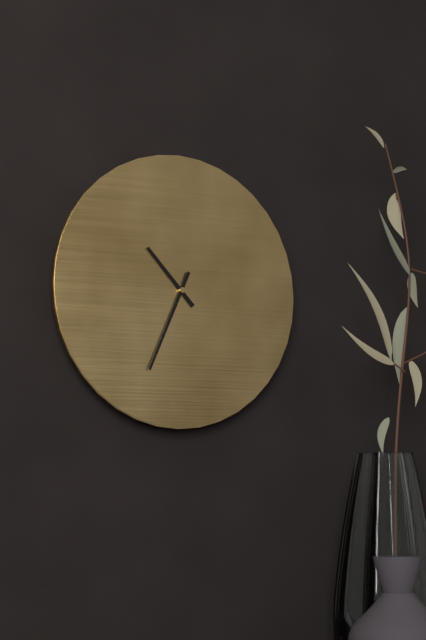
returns {"hour": 10, "minute": 34}
